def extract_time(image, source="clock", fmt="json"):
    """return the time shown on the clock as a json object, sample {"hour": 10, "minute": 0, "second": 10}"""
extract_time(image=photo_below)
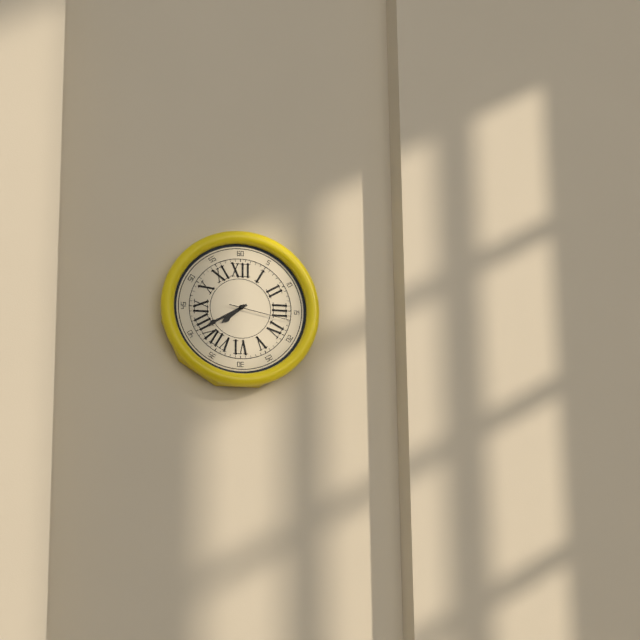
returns {"hour": 7, "minute": 40, "second": 17}
